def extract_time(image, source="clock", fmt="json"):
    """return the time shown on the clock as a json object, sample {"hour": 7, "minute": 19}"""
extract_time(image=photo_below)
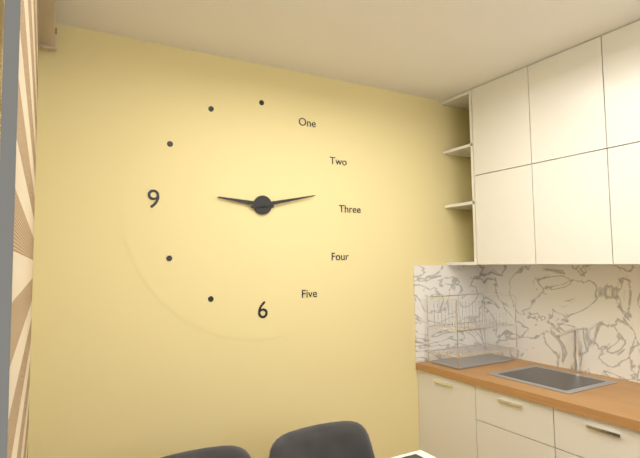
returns {"hour": 9, "minute": 13}
